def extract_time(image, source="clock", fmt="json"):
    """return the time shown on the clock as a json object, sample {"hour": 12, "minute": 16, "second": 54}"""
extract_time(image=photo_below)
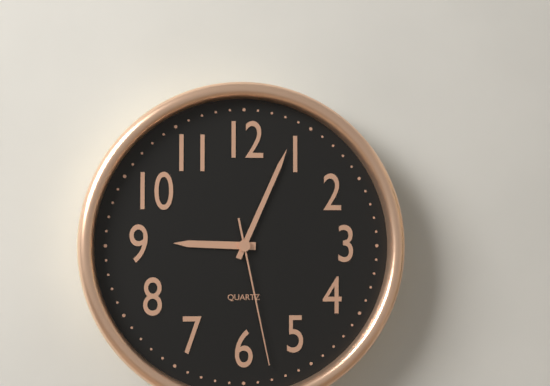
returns {"hour": 9, "minute": 4, "second": 28}
